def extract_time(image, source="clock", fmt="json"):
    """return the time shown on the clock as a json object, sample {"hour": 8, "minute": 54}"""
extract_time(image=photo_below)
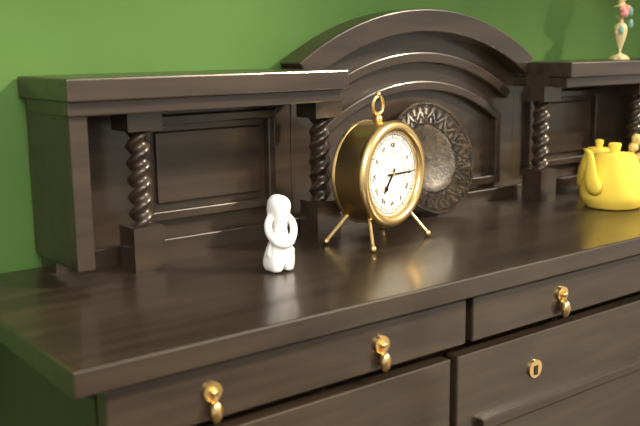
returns {"hour": 7, "minute": 15}
